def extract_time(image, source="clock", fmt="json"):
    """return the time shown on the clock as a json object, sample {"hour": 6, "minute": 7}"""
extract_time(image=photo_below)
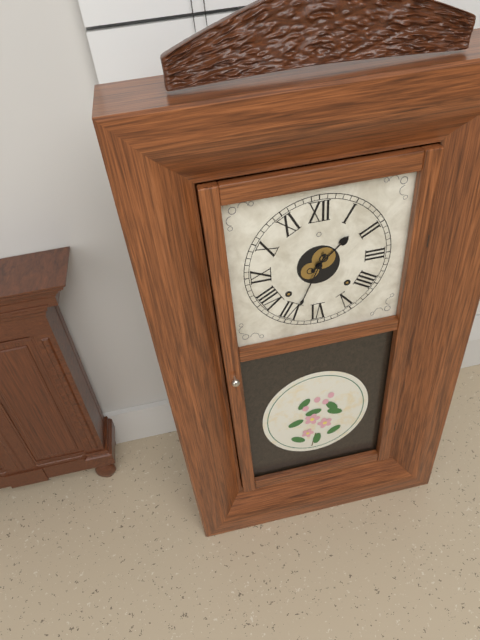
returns {"hour": 1, "minute": 34}
